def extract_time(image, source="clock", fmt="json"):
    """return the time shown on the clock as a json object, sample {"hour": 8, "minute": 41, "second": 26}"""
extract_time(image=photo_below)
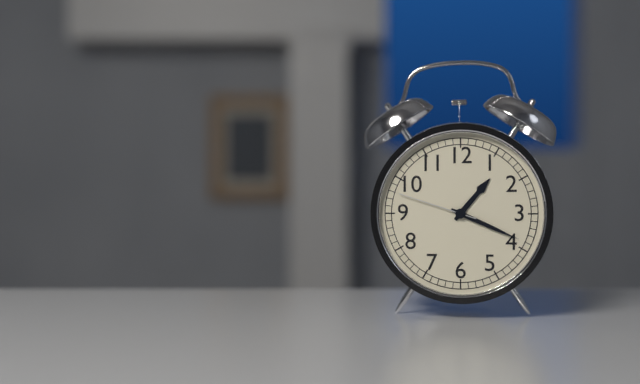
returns {"hour": 1, "minute": 19, "second": 48}
